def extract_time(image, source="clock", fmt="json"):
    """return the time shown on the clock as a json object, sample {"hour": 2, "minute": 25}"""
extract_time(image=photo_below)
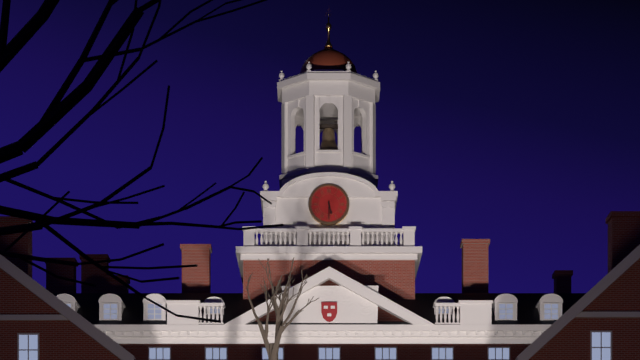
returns {"hour": 5, "minute": 30}
